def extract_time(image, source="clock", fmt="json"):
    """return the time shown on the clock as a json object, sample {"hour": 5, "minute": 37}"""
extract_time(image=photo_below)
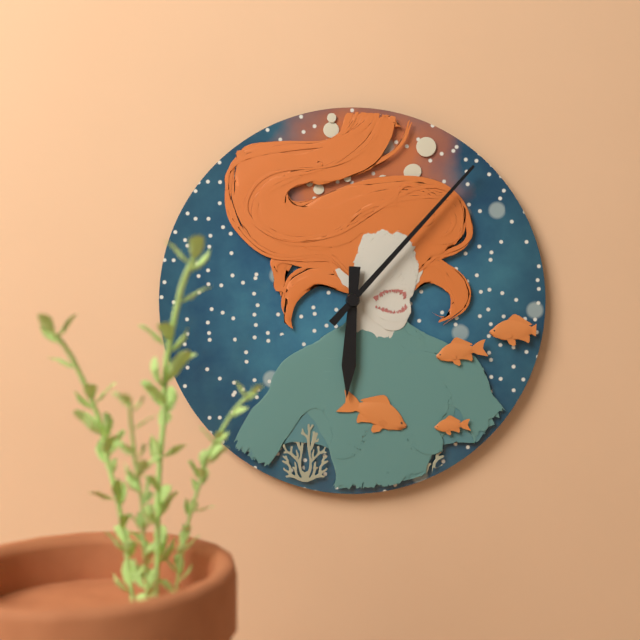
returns {"hour": 6, "minute": 7}
